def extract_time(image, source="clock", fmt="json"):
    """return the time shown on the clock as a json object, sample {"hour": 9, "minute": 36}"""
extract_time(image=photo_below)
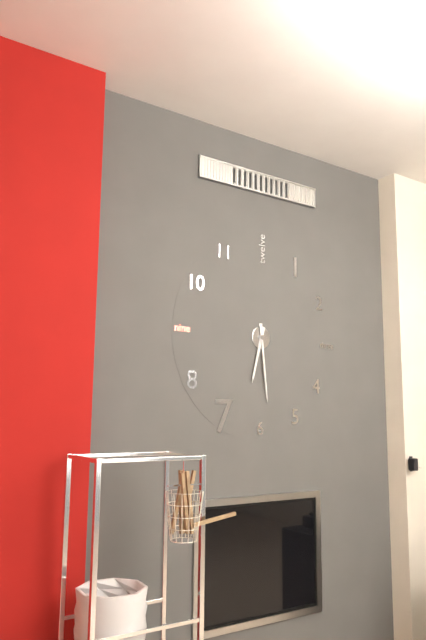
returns {"hour": 6, "minute": 29}
